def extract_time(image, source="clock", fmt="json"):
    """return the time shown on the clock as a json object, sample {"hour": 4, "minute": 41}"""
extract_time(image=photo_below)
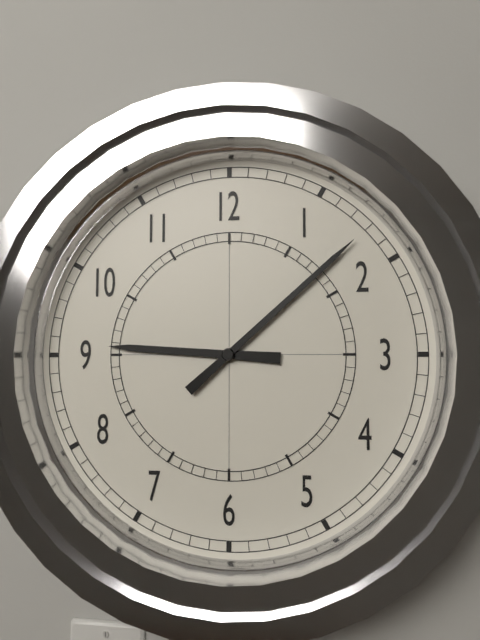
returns {"hour": 9, "minute": 8}
